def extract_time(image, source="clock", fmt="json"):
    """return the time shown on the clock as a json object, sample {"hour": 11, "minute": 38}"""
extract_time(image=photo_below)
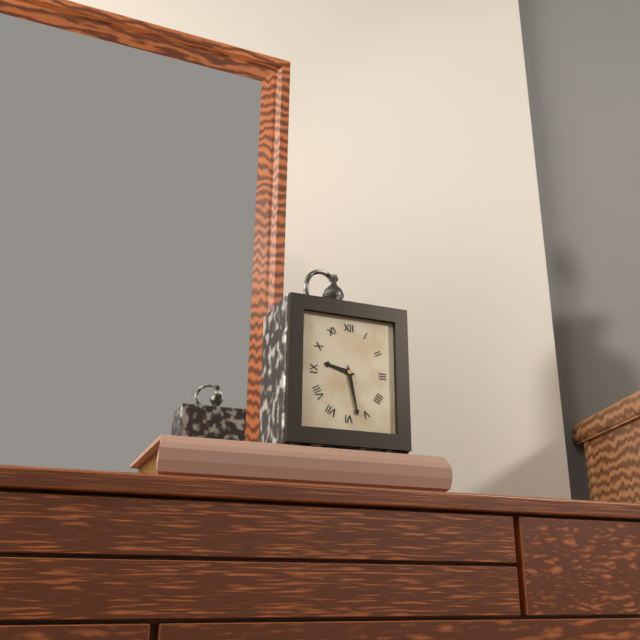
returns {"hour": 9, "minute": 28}
